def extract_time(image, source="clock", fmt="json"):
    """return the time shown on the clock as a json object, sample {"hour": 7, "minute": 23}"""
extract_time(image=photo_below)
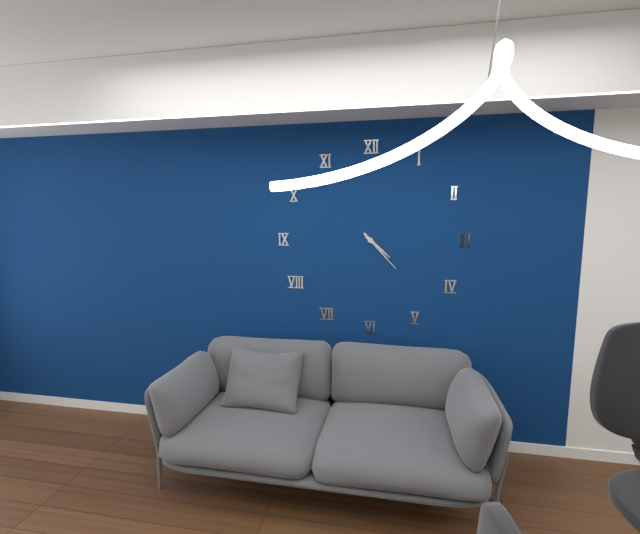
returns {"hour": 4, "minute": 23}
